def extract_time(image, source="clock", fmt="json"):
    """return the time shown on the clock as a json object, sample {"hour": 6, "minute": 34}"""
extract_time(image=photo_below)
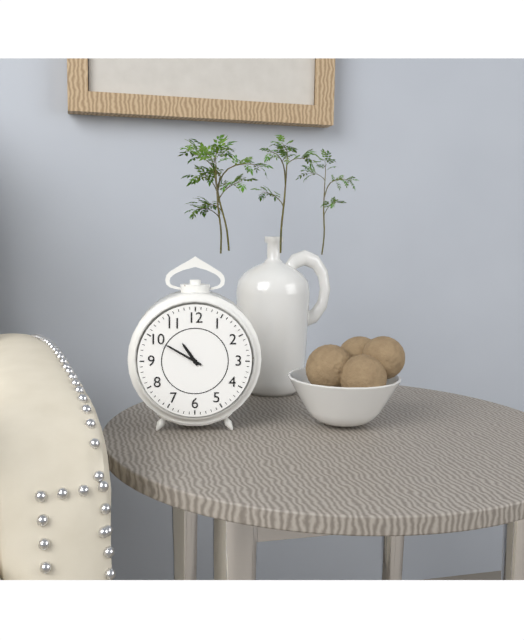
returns {"hour": 10, "minute": 50}
